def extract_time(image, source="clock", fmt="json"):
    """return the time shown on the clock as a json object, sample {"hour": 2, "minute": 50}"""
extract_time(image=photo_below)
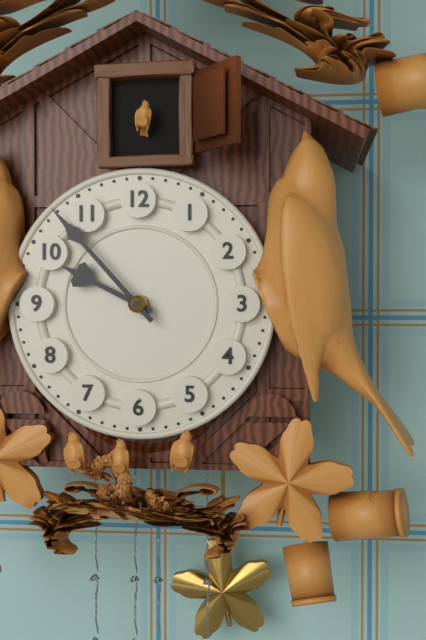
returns {"hour": 9, "minute": 53}
